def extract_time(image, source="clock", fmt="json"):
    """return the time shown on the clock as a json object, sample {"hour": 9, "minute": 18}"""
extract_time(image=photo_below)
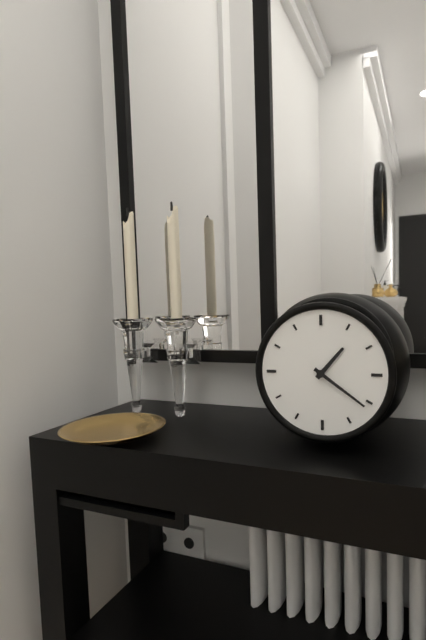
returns {"hour": 1, "minute": 21}
